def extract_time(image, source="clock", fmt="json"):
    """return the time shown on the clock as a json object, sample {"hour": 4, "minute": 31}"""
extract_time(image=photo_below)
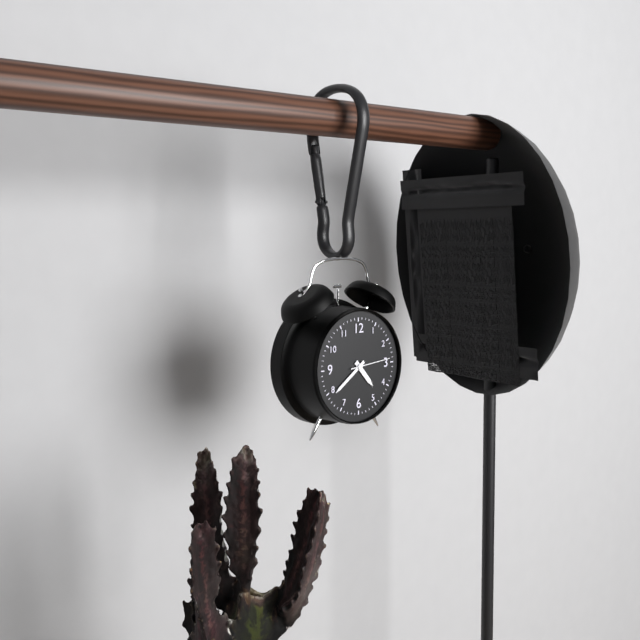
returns {"hour": 4, "minute": 39}
